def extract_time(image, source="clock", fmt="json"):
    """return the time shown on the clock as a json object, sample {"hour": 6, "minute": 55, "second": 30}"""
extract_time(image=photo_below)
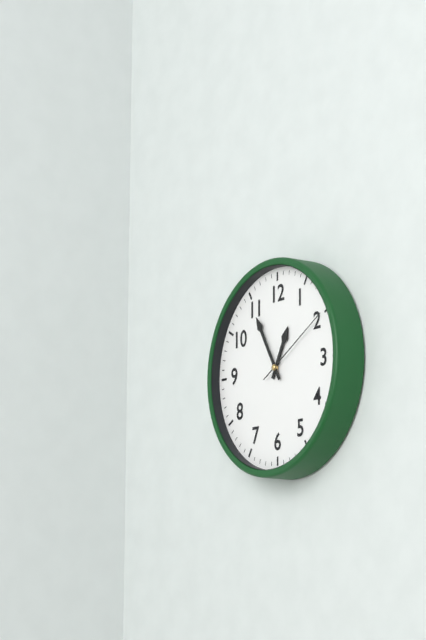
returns {"hour": 12, "minute": 55, "second": 10}
